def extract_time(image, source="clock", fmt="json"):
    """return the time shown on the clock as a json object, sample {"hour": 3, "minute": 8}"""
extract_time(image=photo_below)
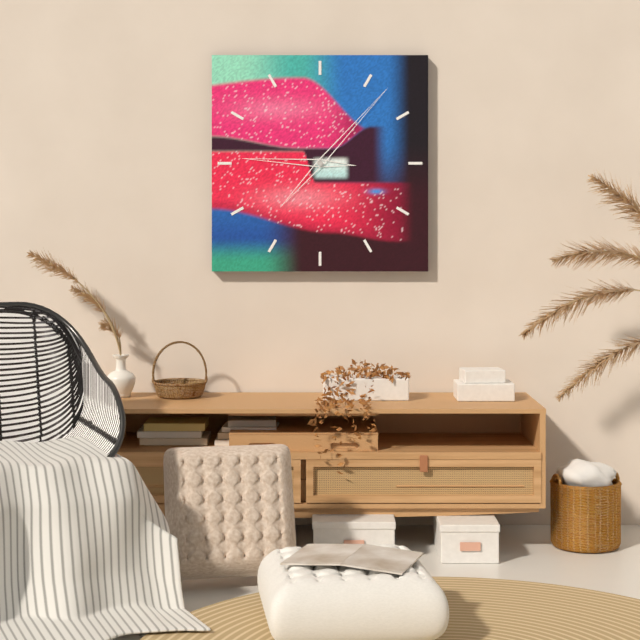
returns {"hour": 9, "minute": 7}
